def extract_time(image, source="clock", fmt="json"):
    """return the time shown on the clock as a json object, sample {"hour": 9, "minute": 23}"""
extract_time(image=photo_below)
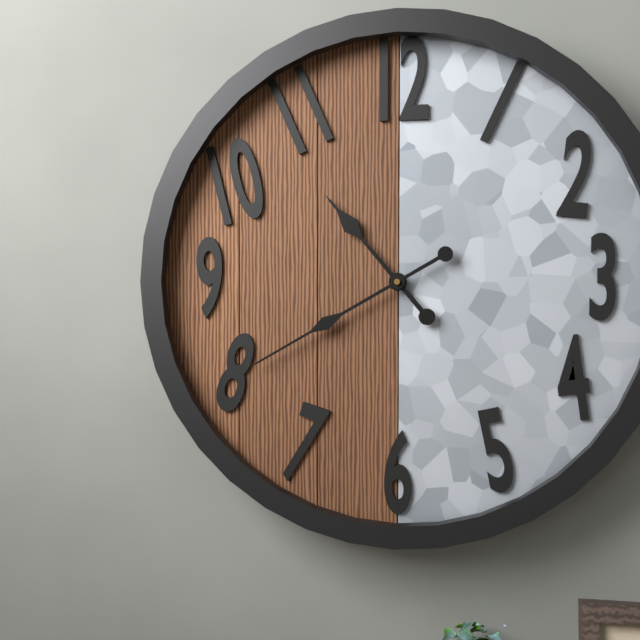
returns {"hour": 10, "minute": 40}
